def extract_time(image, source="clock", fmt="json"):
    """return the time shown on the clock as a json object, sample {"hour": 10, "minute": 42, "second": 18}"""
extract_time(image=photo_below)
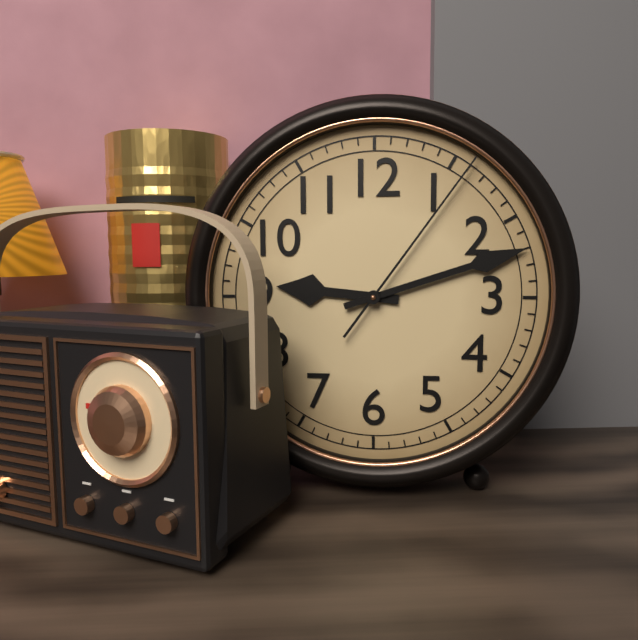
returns {"hour": 9, "minute": 12, "second": 6}
